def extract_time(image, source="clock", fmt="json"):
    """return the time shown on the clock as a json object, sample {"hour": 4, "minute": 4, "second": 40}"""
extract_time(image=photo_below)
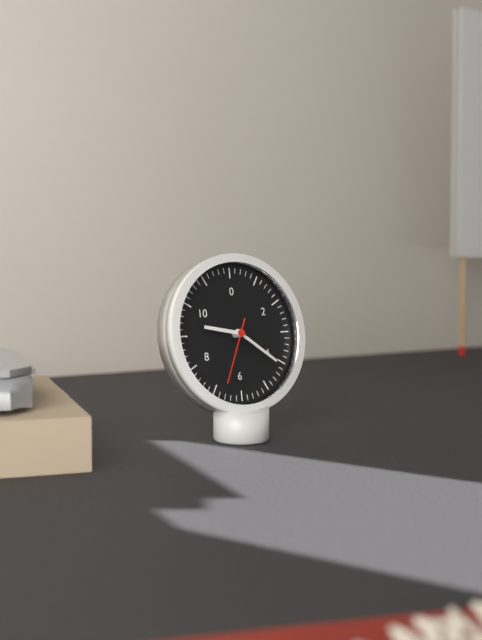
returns {"hour": 9, "minute": 21, "second": 34}
